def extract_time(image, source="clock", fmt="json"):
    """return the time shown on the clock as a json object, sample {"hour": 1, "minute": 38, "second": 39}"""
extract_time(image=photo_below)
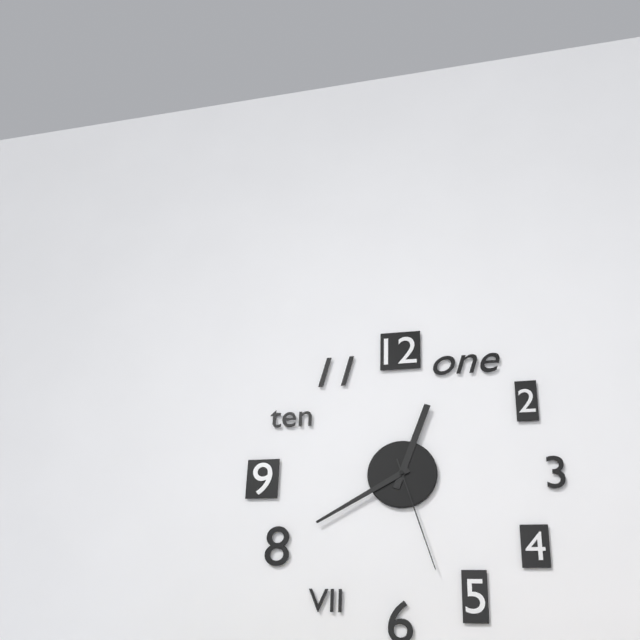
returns {"hour": 12, "minute": 40, "second": 27}
